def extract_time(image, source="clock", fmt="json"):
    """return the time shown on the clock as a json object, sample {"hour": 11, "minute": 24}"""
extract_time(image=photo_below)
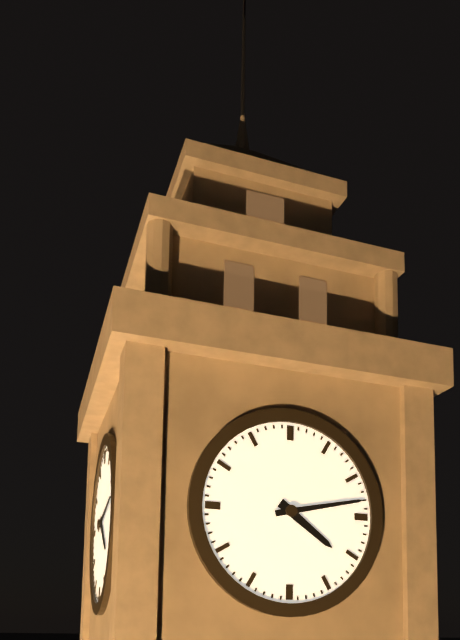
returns {"hour": 4, "minute": 13}
